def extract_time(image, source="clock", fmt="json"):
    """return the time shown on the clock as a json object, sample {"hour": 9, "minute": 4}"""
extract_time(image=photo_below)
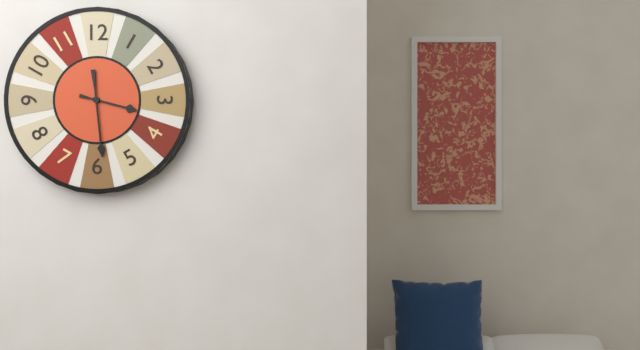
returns {"hour": 3, "minute": 29}
